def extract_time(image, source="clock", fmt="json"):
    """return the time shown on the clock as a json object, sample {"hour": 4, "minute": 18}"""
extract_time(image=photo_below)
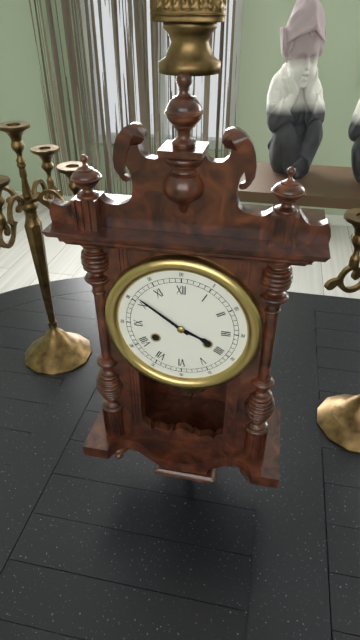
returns {"hour": 3, "minute": 51}
